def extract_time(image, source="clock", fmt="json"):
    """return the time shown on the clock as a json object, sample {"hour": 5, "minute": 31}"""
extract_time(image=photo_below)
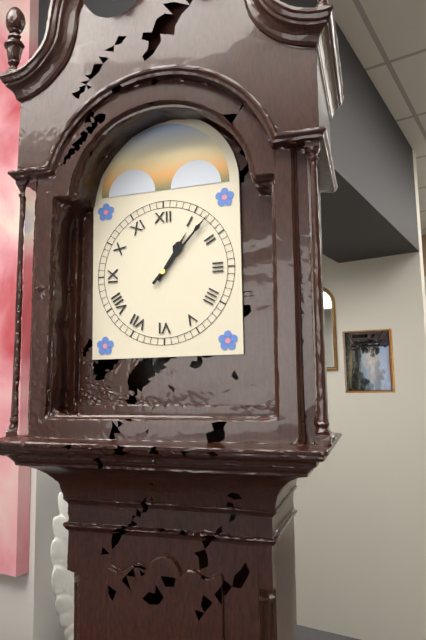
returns {"hour": 1, "minute": 7}
